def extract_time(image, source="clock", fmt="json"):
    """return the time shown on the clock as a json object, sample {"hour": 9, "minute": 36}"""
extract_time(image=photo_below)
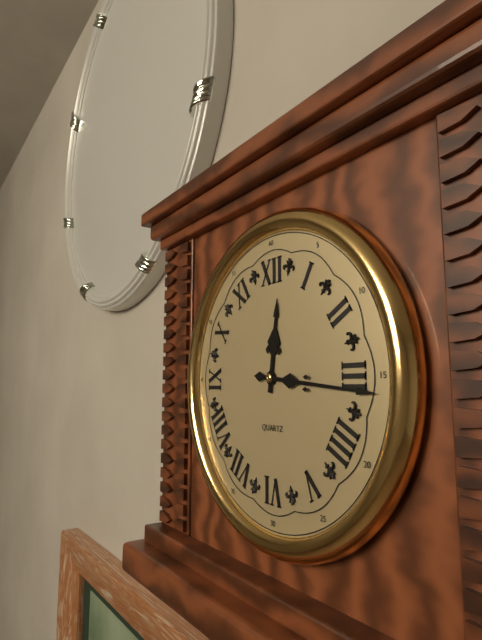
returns {"hour": 12, "minute": 16}
